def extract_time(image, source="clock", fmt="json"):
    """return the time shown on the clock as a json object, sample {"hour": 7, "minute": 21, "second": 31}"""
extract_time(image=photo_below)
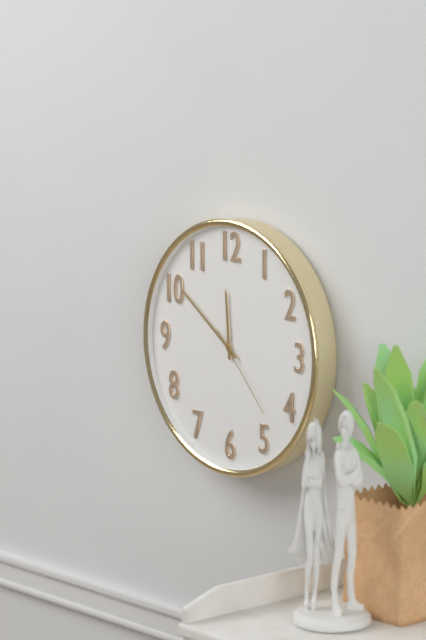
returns {"hour": 11, "minute": 51, "second": 23}
